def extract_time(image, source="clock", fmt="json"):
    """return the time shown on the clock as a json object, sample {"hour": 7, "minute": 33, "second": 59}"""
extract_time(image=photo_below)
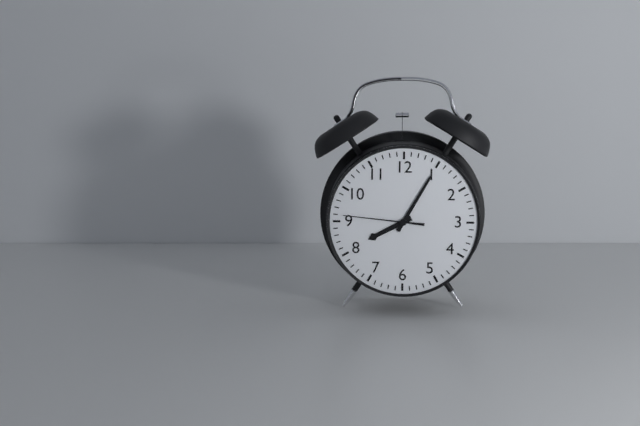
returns {"hour": 8, "minute": 5, "second": 46}
